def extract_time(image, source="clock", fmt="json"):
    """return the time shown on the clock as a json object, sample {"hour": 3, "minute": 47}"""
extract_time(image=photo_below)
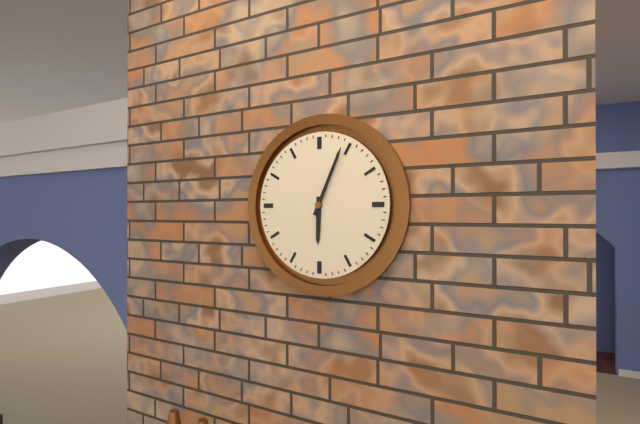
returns {"hour": 6, "minute": 4}
